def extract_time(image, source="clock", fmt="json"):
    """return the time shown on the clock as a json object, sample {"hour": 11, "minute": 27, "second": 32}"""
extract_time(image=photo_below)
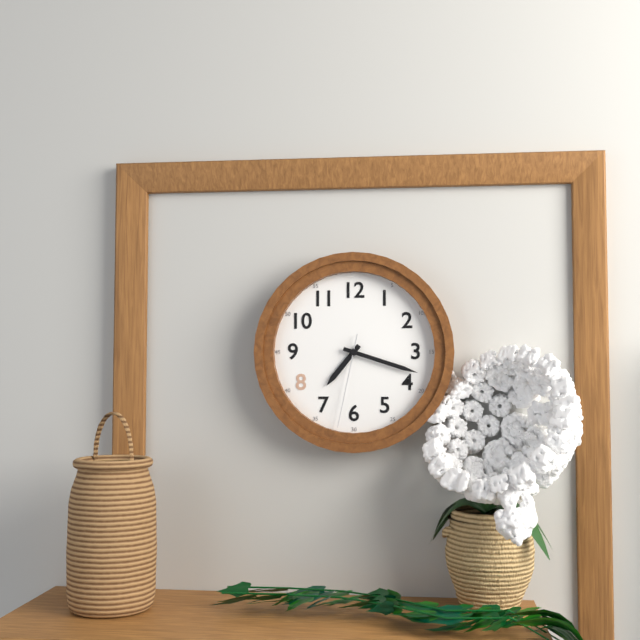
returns {"hour": 7, "minute": 18, "second": 32}
